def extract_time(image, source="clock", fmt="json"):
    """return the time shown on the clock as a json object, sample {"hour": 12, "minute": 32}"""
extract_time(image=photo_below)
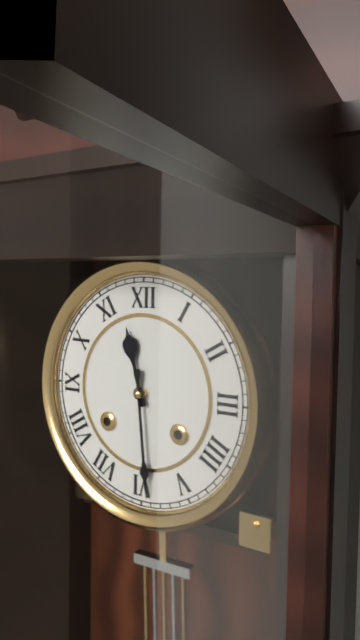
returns {"hour": 11, "minute": 29}
